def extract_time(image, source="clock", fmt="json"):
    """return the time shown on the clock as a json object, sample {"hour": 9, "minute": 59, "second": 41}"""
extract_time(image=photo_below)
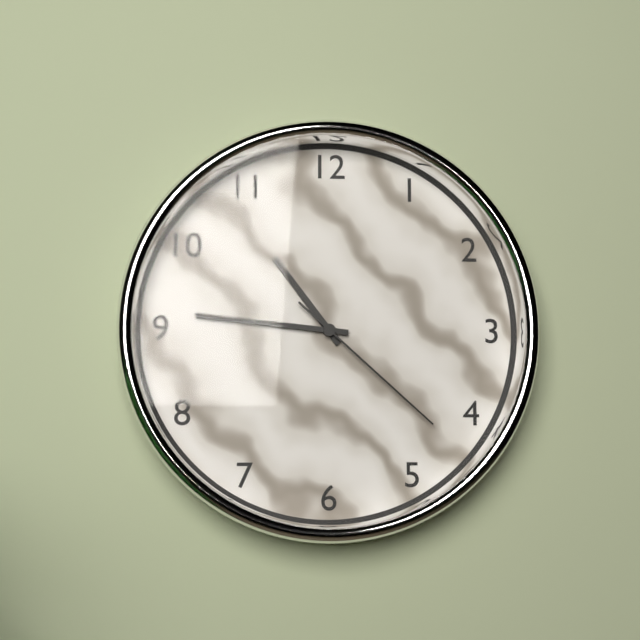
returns {"hour": 10, "minute": 46, "second": 22}
